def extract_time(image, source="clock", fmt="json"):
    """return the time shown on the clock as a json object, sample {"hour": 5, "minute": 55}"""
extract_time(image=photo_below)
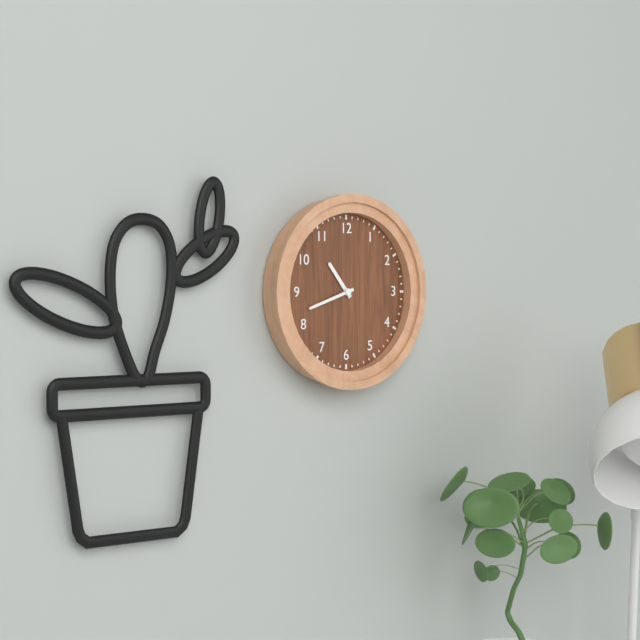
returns {"hour": 10, "minute": 42}
